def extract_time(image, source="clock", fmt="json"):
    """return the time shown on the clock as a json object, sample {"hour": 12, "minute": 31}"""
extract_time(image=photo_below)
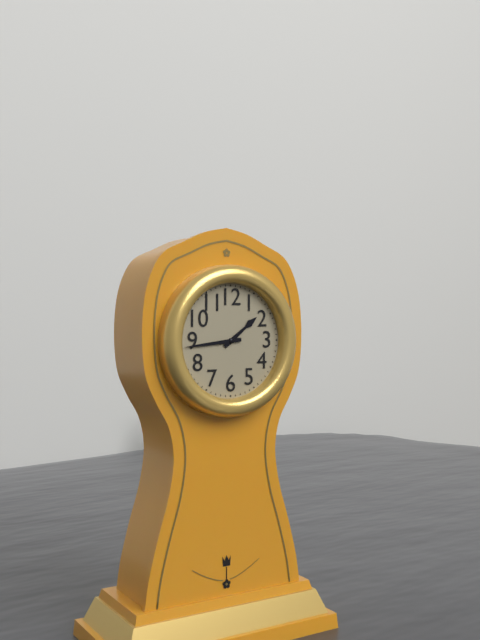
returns {"hour": 1, "minute": 44}
